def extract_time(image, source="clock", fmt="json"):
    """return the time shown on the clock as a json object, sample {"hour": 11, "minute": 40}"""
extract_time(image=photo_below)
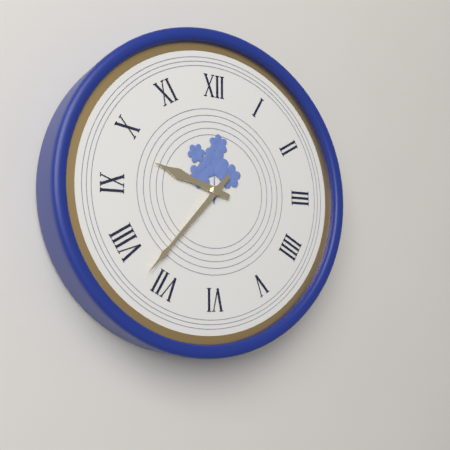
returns {"hour": 9, "minute": 37}
